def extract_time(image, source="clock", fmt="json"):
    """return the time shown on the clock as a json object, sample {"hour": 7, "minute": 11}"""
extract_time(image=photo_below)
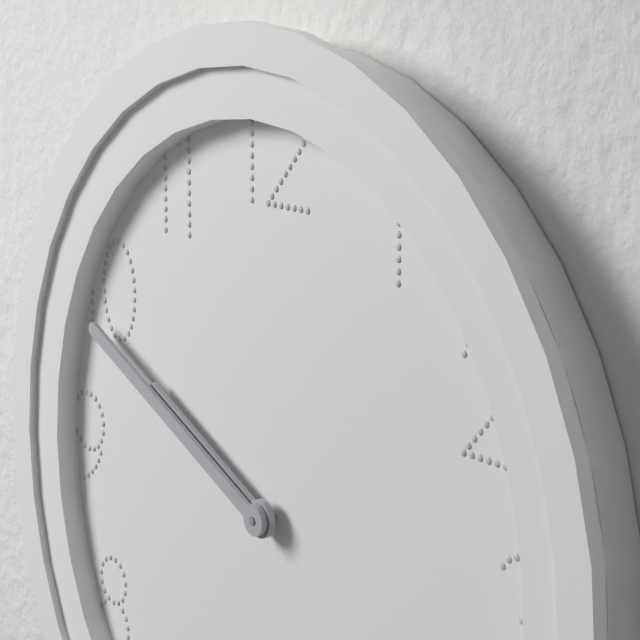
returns {"hour": 9, "minute": 49}
